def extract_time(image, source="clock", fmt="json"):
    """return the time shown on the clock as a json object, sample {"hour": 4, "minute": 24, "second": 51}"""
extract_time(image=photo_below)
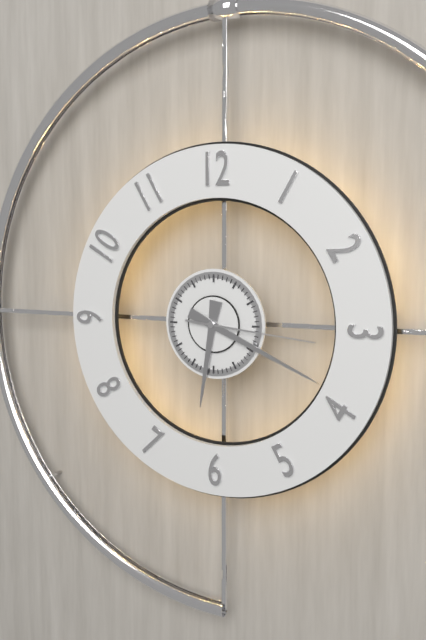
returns {"hour": 6, "minute": 19, "second": 16}
